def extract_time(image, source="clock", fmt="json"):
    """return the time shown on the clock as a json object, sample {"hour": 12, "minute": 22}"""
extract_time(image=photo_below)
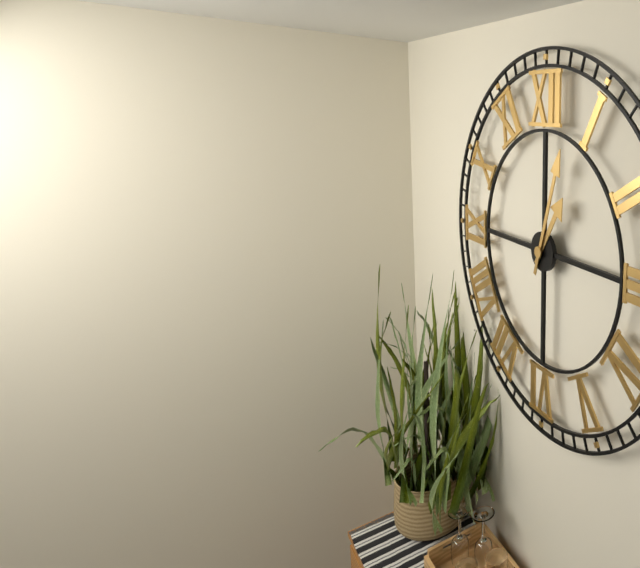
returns {"hour": 1, "minute": 3}
